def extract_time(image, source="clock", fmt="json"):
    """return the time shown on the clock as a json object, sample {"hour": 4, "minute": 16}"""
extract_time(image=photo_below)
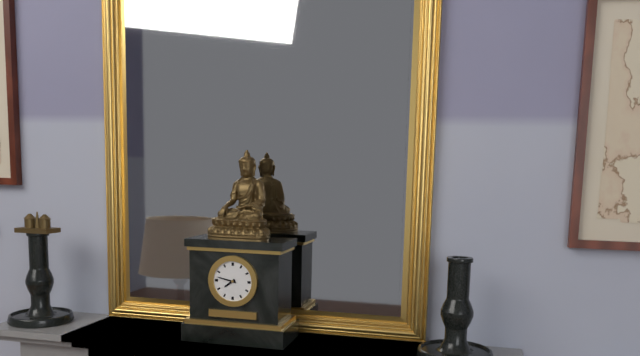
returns {"hour": 7, "minute": 47}
